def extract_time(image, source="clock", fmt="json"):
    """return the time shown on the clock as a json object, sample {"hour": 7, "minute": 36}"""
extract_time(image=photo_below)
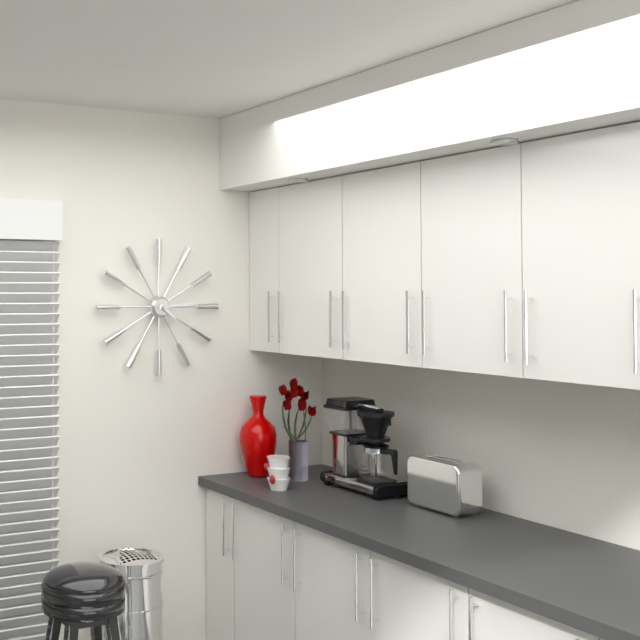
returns {"hour": 4, "minute": 14}
